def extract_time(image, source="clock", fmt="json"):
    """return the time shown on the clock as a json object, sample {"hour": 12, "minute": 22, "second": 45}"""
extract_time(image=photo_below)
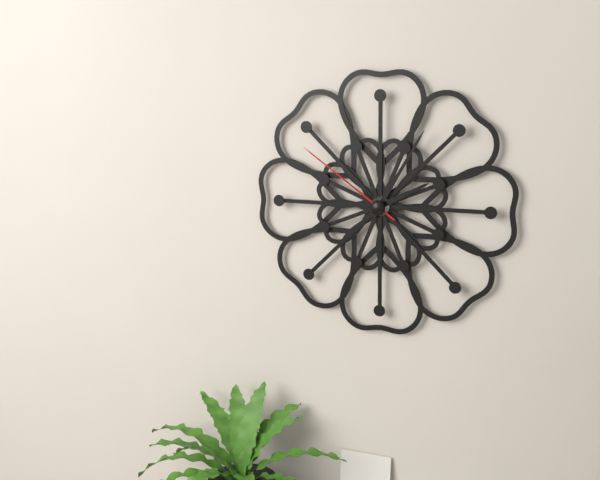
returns {"hour": 2, "minute": 5, "second": 51}
